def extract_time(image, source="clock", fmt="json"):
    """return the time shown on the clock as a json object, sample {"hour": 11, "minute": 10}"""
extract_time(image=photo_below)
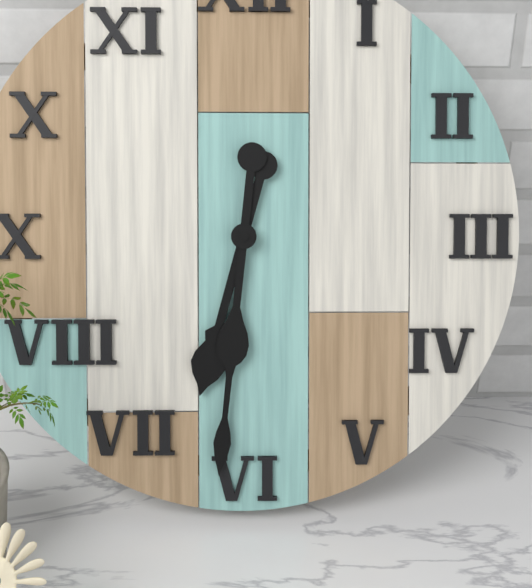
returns {"hour": 6, "minute": 31}
